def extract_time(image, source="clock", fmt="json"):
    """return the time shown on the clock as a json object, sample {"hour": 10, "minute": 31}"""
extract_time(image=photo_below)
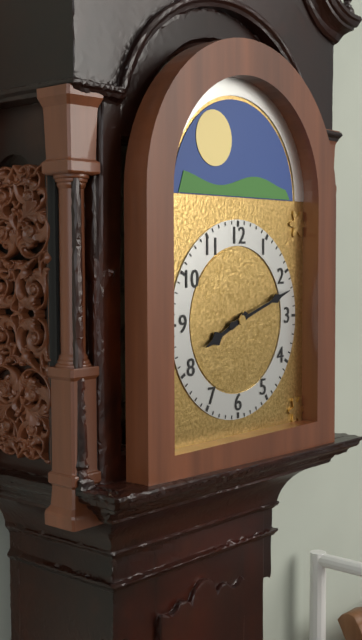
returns {"hour": 8, "minute": 12}
